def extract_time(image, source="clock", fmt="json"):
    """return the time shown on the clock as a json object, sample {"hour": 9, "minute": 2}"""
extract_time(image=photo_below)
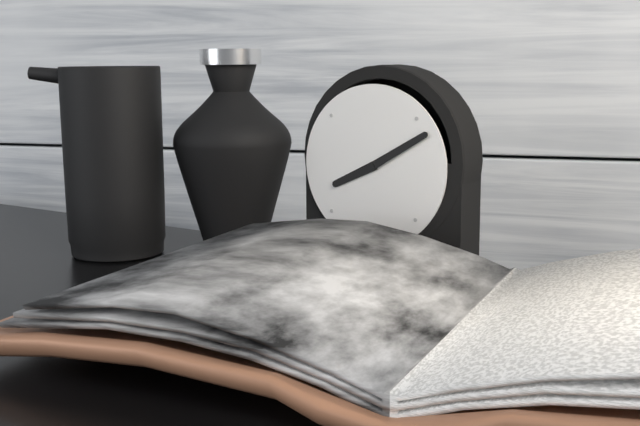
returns {"hour": 8, "minute": 10}
